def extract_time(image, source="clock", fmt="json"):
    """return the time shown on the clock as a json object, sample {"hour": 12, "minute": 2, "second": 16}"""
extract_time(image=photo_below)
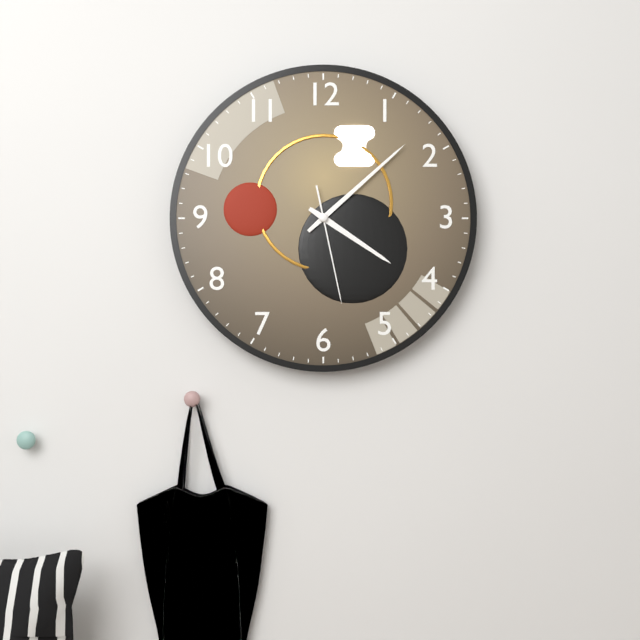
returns {"hour": 4, "minute": 8, "second": 28}
